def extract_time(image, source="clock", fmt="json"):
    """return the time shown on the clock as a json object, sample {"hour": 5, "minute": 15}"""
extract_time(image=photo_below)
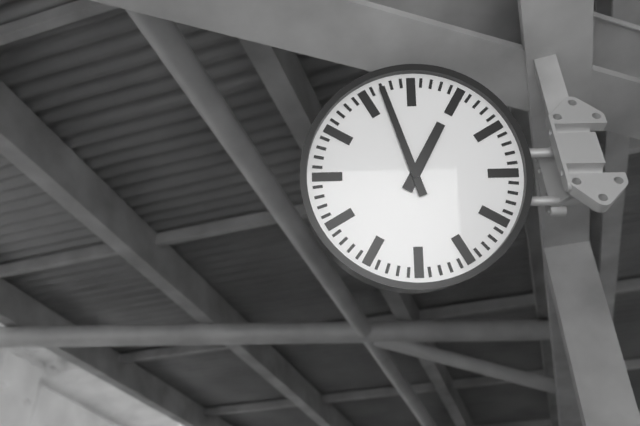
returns {"hour": 12, "minute": 57}
